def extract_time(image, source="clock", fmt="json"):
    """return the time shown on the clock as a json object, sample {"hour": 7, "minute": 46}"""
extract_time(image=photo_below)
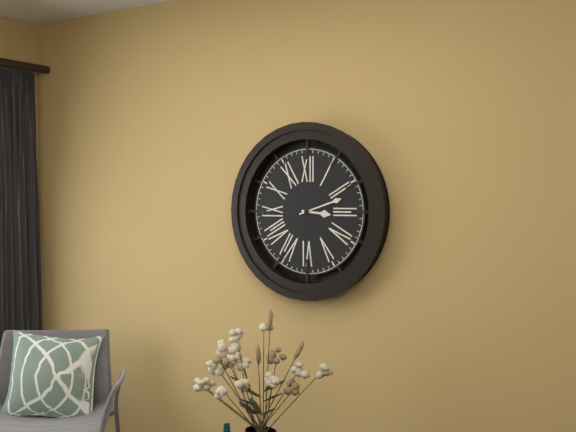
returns {"hour": 3, "minute": 12}
